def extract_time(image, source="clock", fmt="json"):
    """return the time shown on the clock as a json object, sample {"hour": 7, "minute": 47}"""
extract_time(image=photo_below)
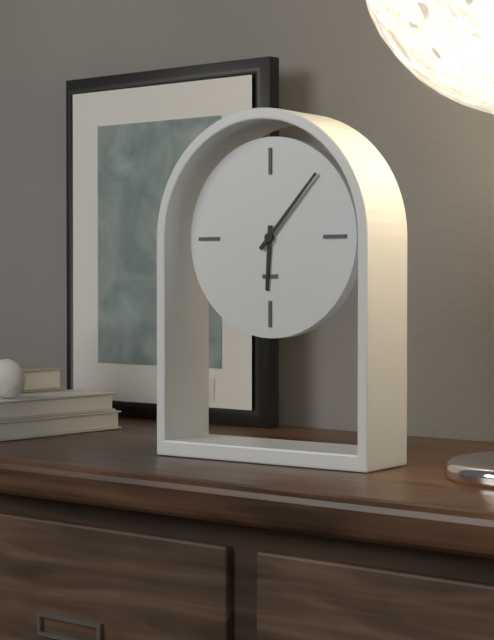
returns {"hour": 6, "minute": 7}
